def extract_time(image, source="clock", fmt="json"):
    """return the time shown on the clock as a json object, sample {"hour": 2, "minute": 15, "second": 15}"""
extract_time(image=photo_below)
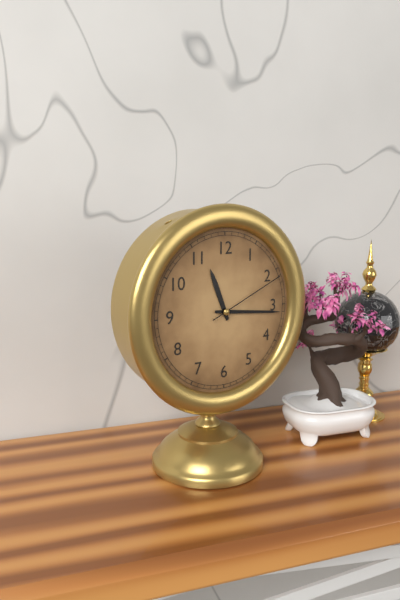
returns {"hour": 11, "minute": 16, "second": 11}
